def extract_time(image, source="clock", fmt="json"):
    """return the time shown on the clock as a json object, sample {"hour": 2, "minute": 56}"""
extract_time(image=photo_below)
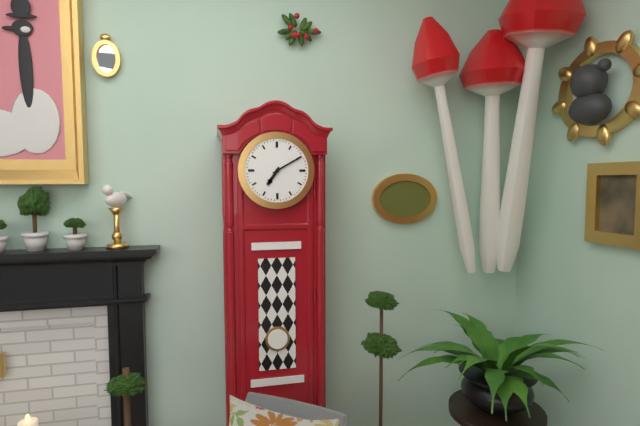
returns {"hour": 7, "minute": 10}
